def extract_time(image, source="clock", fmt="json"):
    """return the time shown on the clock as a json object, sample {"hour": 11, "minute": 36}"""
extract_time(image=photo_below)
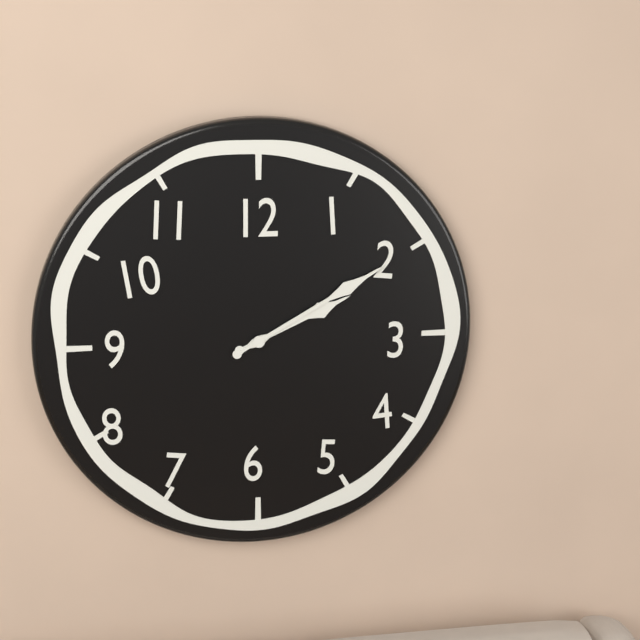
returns {"hour": 2, "minute": 10}
